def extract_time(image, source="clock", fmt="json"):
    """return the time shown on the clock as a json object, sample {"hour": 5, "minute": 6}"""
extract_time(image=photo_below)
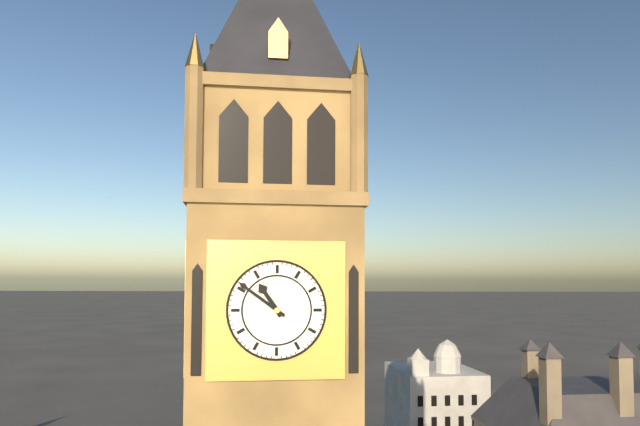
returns {"hour": 10, "minute": 51}
